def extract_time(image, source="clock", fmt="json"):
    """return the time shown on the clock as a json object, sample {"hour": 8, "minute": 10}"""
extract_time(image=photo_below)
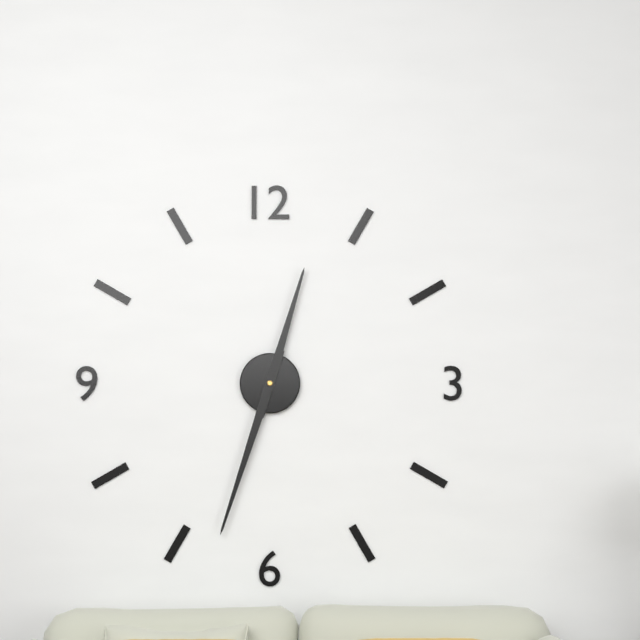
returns {"hour": 12, "minute": 33}
